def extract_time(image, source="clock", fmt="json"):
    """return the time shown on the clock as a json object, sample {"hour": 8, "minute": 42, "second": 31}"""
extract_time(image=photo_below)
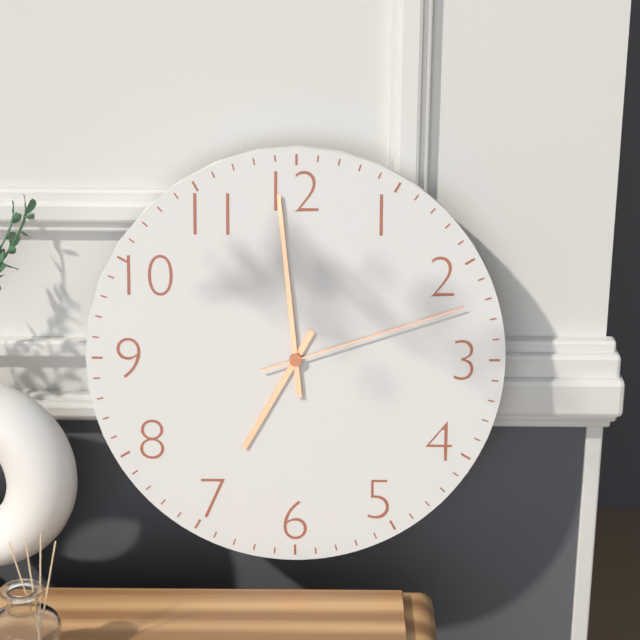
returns {"hour": 6, "minute": 59, "second": 12}
